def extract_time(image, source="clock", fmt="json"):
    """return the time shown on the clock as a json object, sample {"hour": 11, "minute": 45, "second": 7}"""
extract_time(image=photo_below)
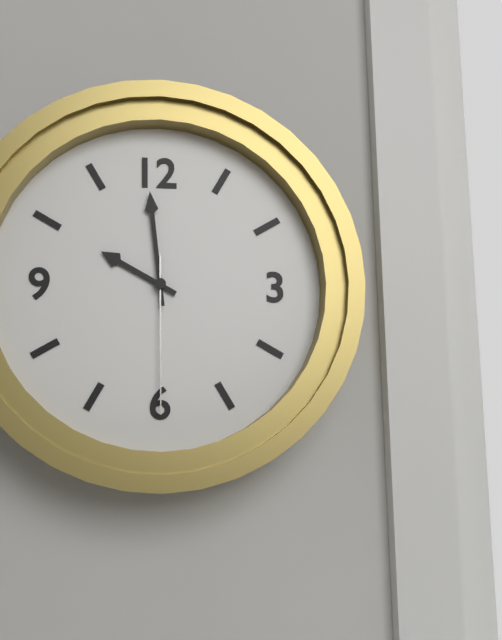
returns {"hour": 9, "minute": 59, "second": 30}
